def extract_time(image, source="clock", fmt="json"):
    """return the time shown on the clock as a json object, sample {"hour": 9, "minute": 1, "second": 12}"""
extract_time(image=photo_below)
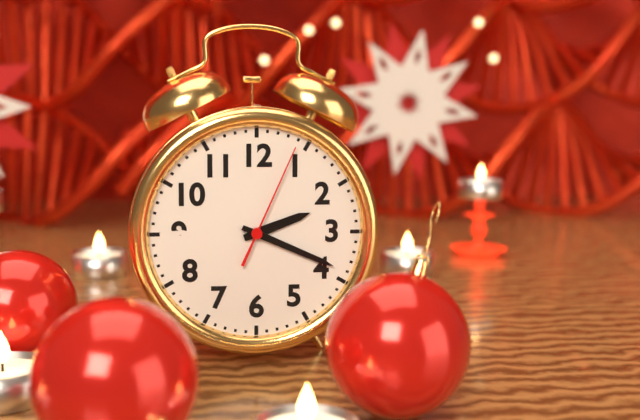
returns {"hour": 2, "minute": 19, "second": 4}
